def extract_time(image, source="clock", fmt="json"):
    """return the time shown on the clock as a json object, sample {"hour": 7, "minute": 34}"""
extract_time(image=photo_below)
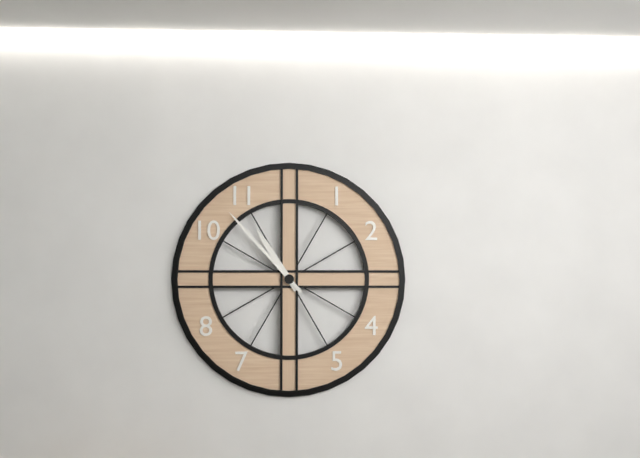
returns {"hour": 10, "minute": 53}
